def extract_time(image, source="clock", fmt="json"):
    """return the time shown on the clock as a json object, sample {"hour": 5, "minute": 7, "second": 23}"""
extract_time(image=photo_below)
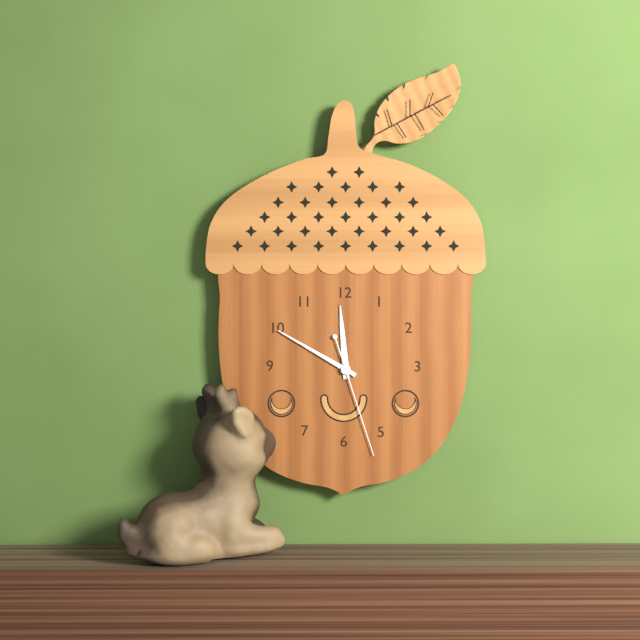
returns {"hour": 11, "minute": 50, "second": 27}
